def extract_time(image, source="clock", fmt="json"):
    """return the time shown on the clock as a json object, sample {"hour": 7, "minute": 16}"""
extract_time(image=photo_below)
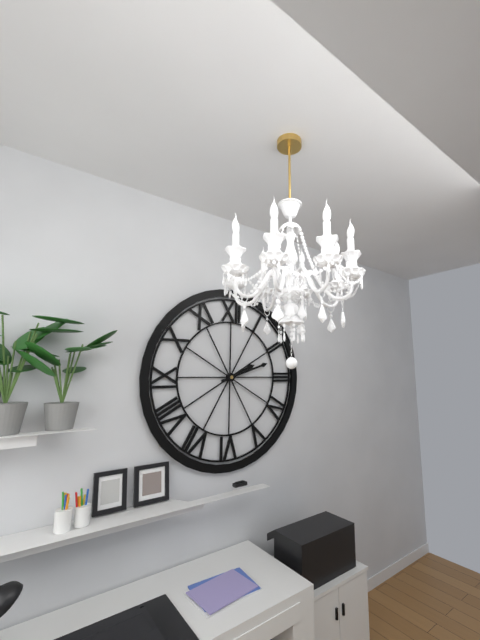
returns {"hour": 2, "minute": 12}
